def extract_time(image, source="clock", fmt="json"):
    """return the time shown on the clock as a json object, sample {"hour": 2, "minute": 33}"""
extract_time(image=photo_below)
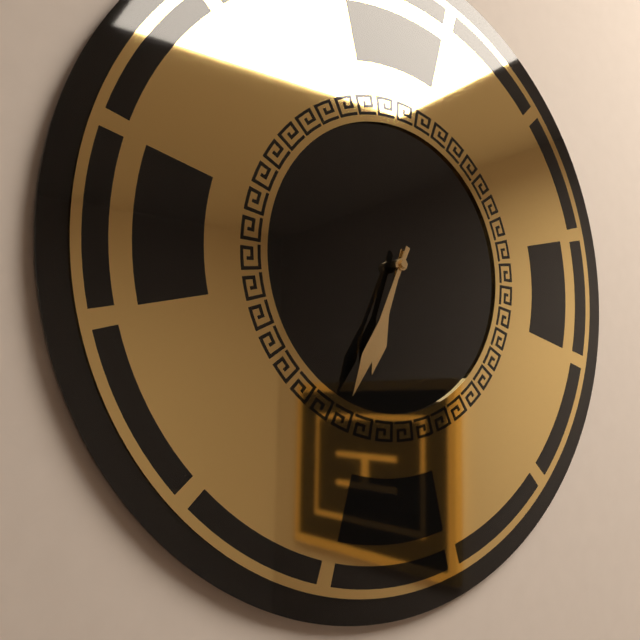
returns {"hour": 6, "minute": 34}
